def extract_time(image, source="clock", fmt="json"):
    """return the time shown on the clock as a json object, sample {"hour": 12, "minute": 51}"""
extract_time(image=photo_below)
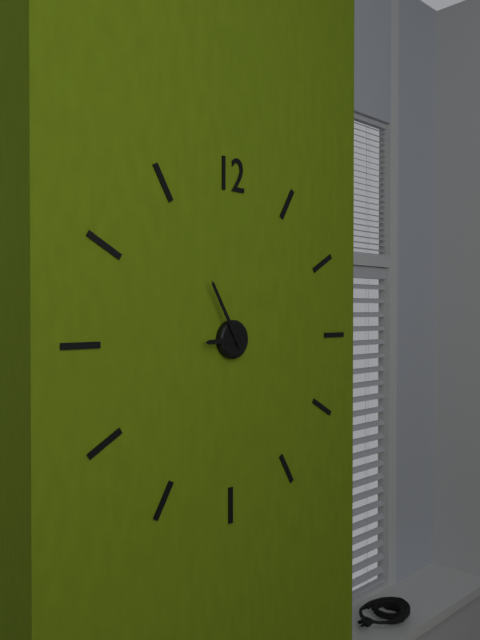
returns {"hour": 8, "minute": 55}
